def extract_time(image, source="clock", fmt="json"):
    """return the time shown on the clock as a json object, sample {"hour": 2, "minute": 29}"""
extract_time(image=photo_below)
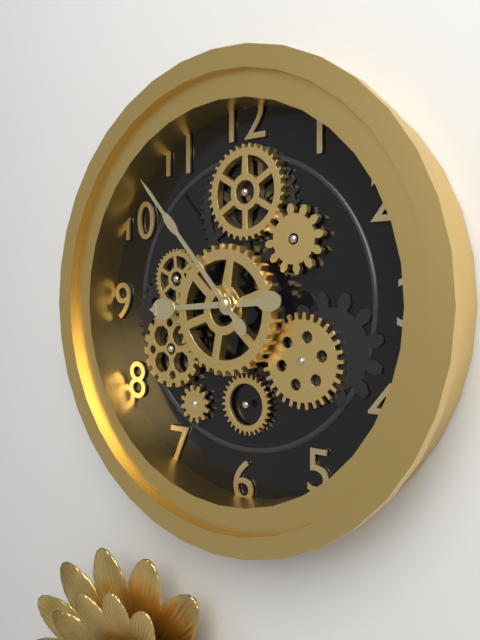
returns {"hour": 8, "minute": 53}
